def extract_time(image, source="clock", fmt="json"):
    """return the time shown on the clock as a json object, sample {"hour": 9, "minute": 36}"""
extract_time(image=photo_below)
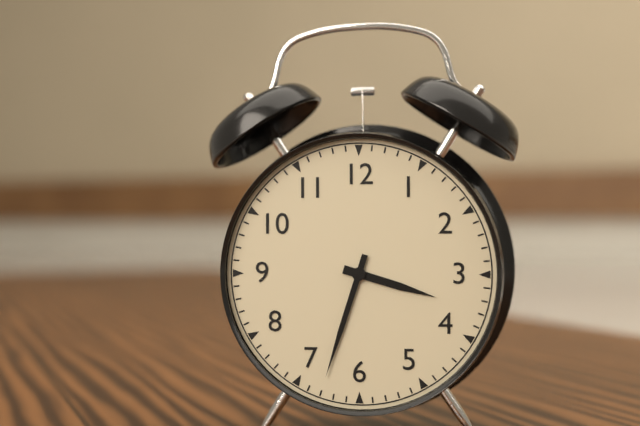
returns {"hour": 3, "minute": 33}
